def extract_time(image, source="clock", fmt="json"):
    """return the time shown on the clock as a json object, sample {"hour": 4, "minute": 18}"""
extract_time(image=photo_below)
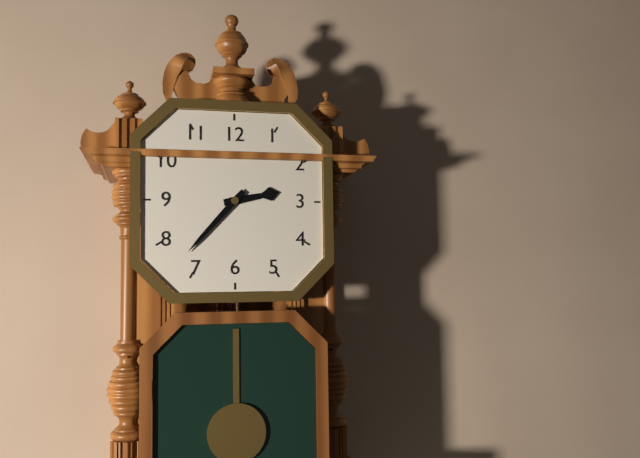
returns {"hour": 2, "minute": 37}
